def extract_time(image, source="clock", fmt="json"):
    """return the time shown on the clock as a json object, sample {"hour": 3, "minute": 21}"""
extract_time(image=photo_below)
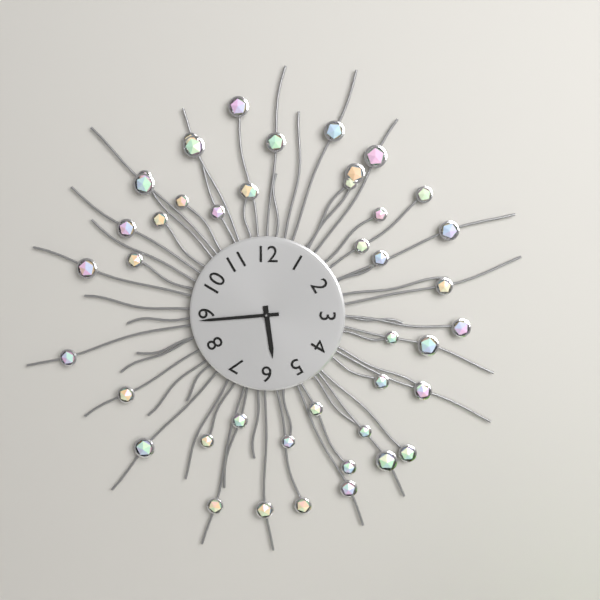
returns {"hour": 5, "minute": 44}
